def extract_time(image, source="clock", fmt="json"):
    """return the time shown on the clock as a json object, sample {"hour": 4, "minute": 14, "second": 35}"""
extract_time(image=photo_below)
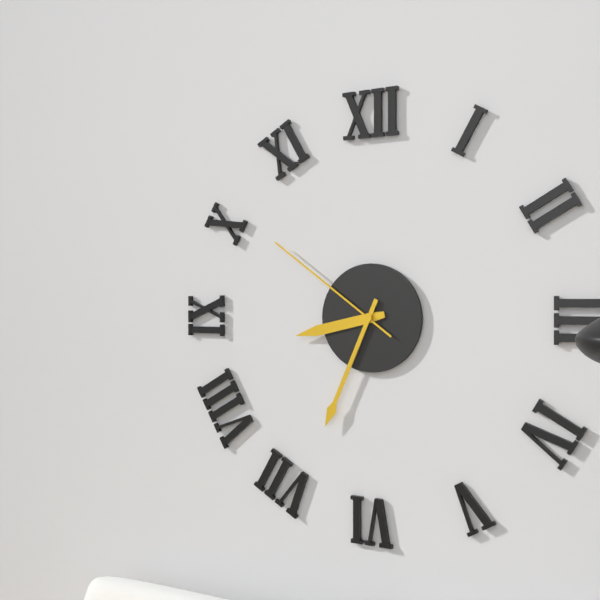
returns {"hour": 8, "minute": 34, "second": 51}
